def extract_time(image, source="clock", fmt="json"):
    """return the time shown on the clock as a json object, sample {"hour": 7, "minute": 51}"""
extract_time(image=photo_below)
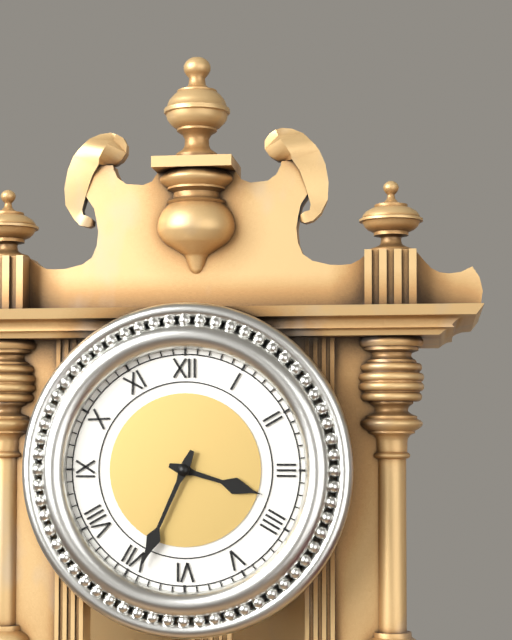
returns {"hour": 3, "minute": 34}
